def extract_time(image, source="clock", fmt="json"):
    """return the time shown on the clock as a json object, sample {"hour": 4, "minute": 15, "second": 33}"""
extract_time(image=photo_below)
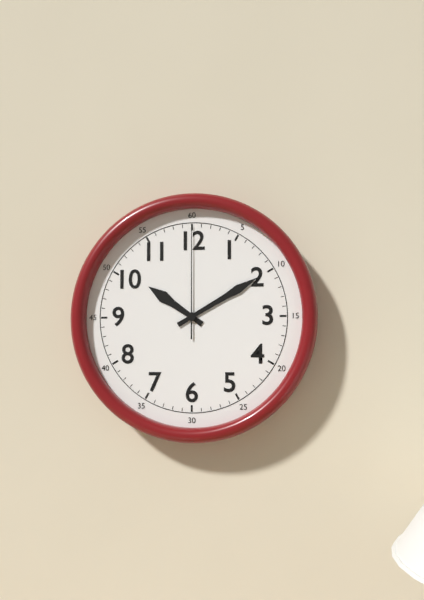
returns {"hour": 10, "minute": 10, "second": 0}
